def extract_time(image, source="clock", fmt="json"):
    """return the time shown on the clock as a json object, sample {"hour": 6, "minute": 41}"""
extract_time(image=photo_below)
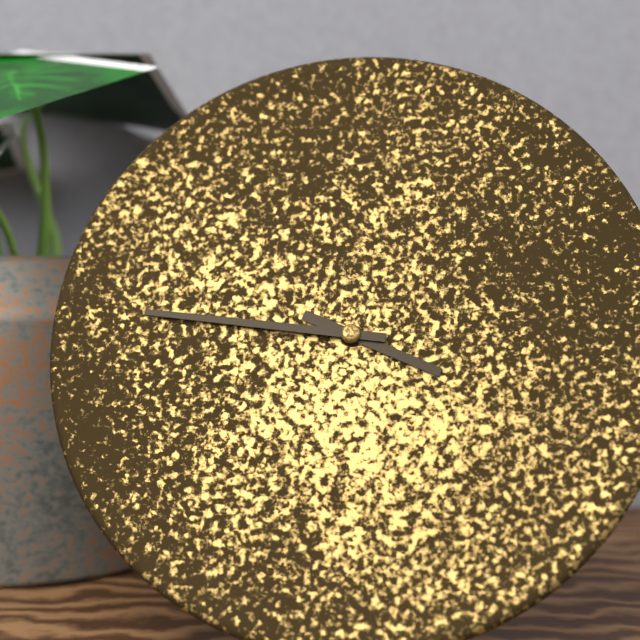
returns {"hour": 3, "minute": 46}
